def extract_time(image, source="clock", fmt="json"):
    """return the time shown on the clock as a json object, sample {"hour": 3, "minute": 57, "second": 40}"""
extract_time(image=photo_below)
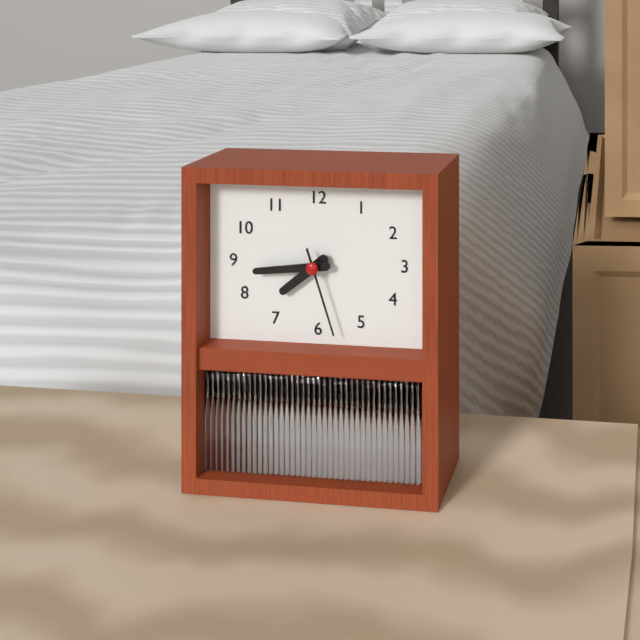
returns {"hour": 7, "minute": 44, "second": 27}
